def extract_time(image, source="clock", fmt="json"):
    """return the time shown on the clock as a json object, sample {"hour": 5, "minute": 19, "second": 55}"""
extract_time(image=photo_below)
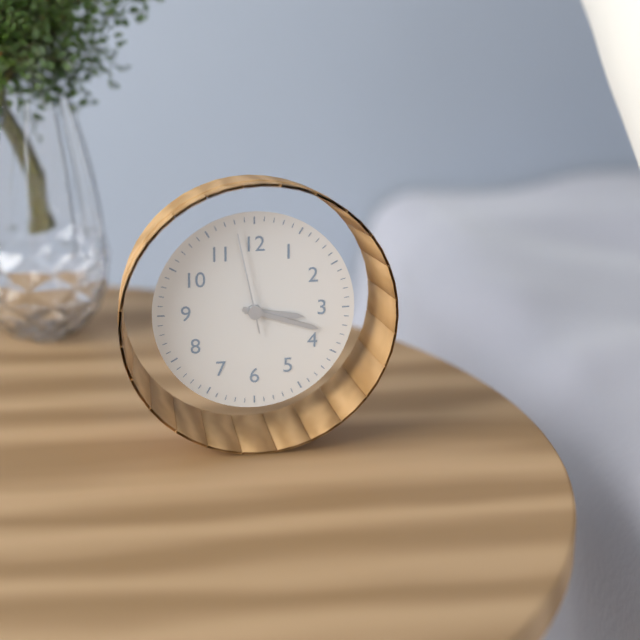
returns {"hour": 3, "minute": 18, "second": 58}
